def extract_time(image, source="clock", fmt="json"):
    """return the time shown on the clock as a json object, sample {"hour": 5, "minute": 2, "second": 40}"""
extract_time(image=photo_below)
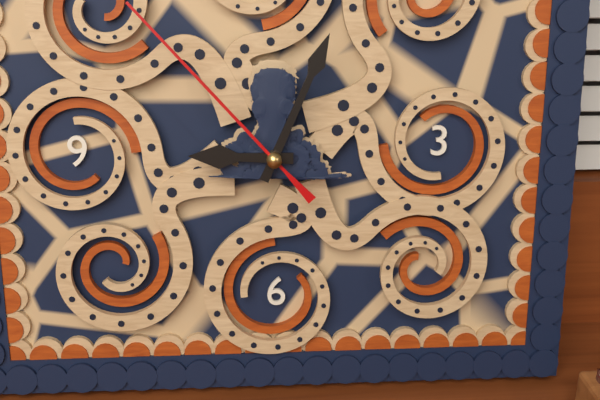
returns {"hour": 9, "minute": 4, "second": 53}
